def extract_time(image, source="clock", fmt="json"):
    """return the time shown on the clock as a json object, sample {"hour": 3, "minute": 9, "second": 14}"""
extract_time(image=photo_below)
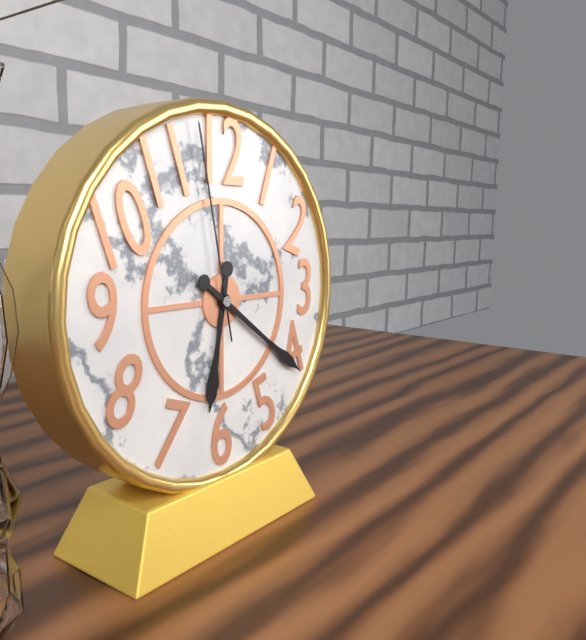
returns {"hour": 6, "minute": 21, "second": 58}
